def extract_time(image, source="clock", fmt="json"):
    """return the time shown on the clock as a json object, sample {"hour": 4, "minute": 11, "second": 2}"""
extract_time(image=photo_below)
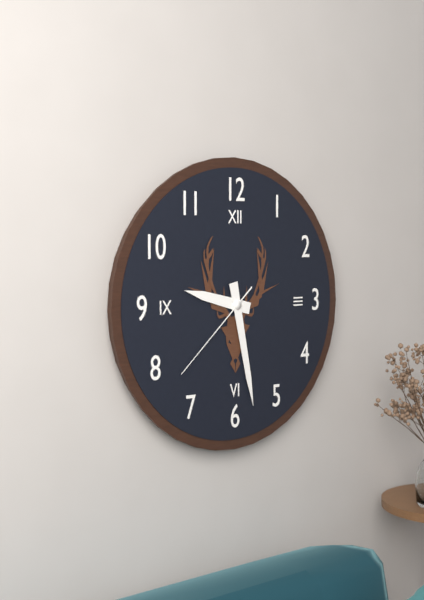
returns {"hour": 9, "minute": 28, "second": 38}
